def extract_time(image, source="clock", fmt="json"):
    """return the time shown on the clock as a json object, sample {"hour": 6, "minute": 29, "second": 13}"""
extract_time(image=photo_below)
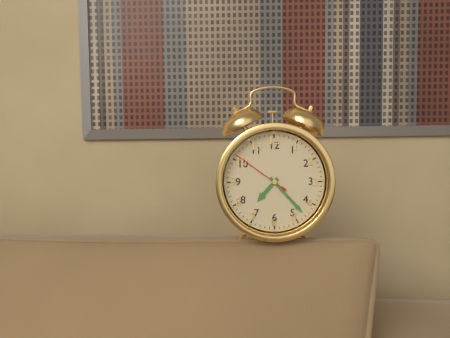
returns {"hour": 7, "minute": 23, "second": 51}
